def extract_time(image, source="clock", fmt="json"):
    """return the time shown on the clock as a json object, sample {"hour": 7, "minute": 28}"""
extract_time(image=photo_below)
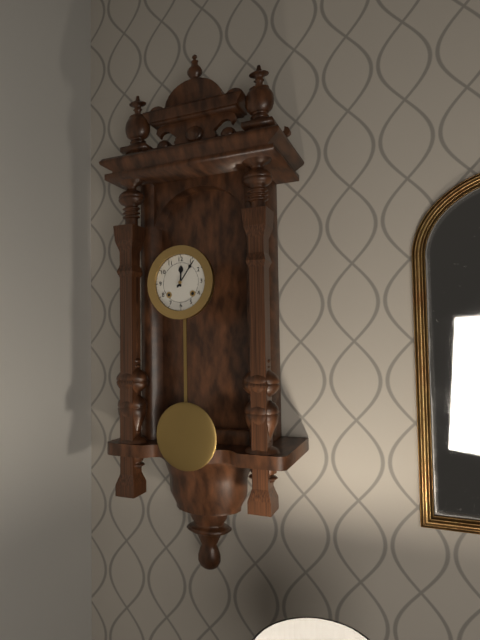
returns {"hour": 12, "minute": 6}
